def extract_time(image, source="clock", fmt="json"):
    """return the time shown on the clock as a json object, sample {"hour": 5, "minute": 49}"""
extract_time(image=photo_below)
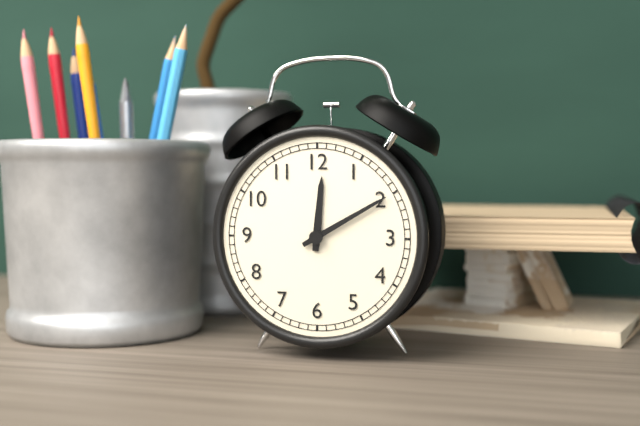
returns {"hour": 12, "minute": 10}
